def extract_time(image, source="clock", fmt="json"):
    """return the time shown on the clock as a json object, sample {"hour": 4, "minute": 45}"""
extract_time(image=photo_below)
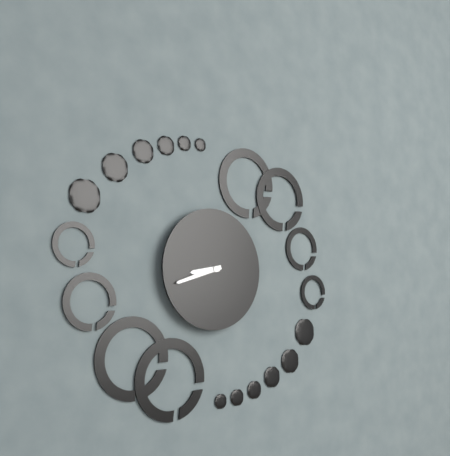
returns {"hour": 8, "minute": 42}
